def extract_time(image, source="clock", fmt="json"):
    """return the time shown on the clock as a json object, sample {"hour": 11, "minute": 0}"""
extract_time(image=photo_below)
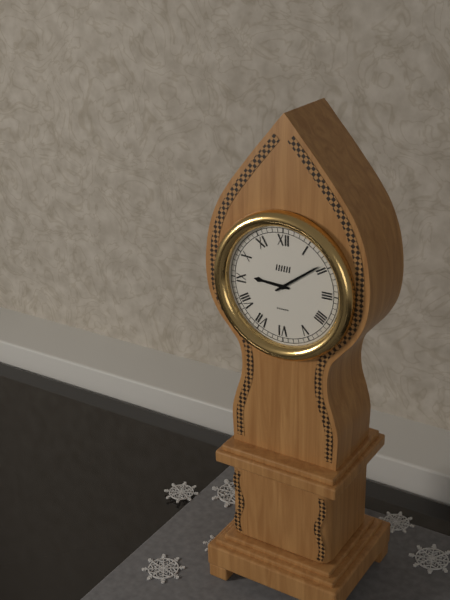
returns {"hour": 9, "minute": 9}
